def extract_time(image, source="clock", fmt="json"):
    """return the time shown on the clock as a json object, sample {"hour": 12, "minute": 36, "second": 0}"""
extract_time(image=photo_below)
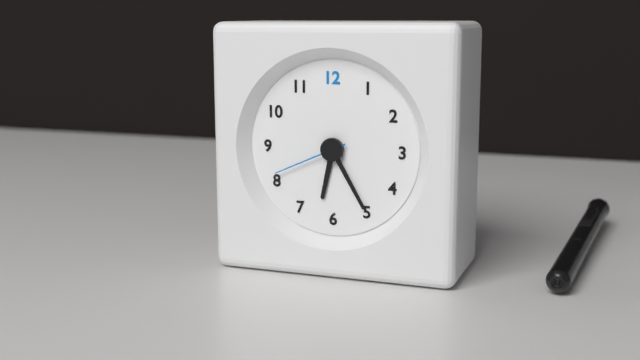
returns {"hour": 6, "minute": 25, "second": 41}
